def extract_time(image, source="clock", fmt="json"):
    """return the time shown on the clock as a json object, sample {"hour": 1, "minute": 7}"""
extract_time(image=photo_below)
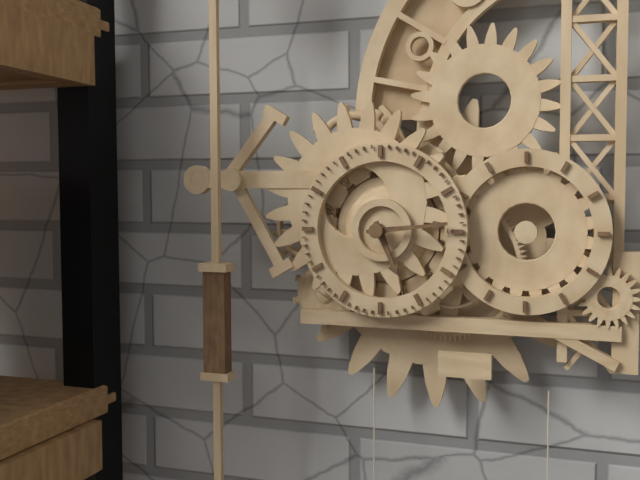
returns {"hour": 5, "minute": 14}
